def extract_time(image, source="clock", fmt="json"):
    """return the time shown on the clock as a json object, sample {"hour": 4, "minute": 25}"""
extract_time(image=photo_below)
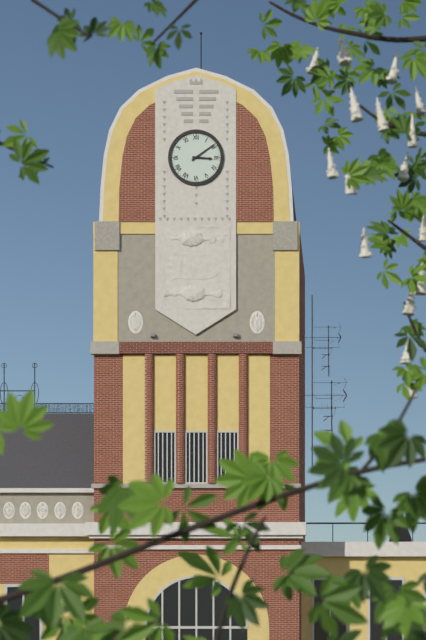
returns {"hour": 3, "minute": 9}
